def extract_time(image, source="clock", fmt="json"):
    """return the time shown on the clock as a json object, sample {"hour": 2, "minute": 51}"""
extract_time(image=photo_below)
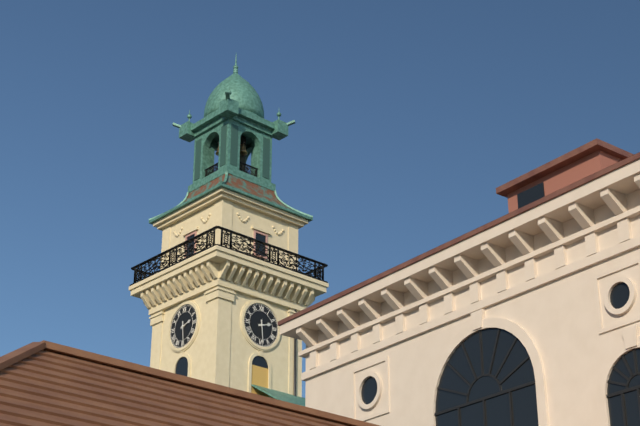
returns {"hour": 2, "minute": 29}
